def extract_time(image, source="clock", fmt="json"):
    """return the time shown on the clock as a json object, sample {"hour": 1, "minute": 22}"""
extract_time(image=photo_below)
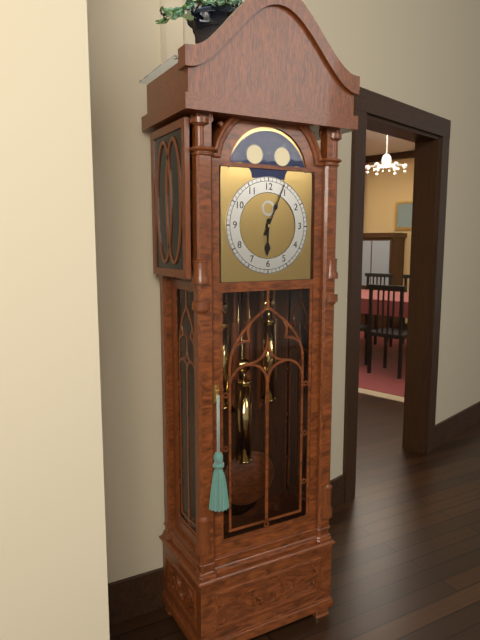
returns {"hour": 6, "minute": 4}
